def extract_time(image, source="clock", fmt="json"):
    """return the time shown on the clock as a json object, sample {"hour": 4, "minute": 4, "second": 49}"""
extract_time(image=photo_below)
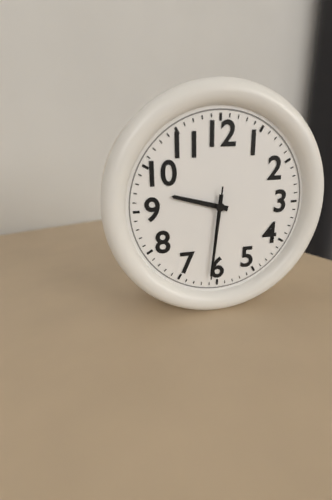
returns {"hour": 9, "minute": 31, "second": 31}
